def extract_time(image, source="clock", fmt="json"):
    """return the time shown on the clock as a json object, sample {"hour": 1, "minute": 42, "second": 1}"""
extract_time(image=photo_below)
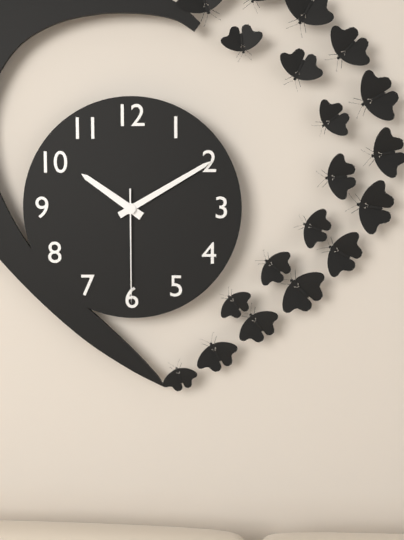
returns {"hour": 10, "minute": 10, "second": 30}
